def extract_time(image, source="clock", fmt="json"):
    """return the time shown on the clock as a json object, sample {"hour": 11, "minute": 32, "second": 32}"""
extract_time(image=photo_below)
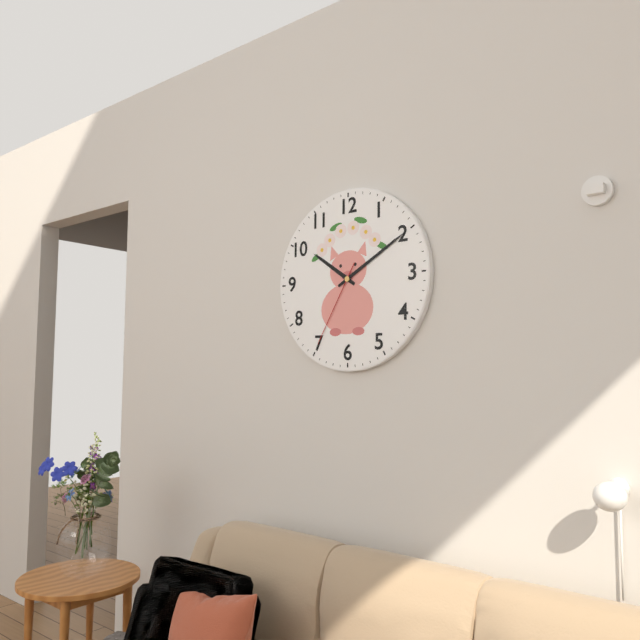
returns {"hour": 10, "minute": 10, "second": 35}
